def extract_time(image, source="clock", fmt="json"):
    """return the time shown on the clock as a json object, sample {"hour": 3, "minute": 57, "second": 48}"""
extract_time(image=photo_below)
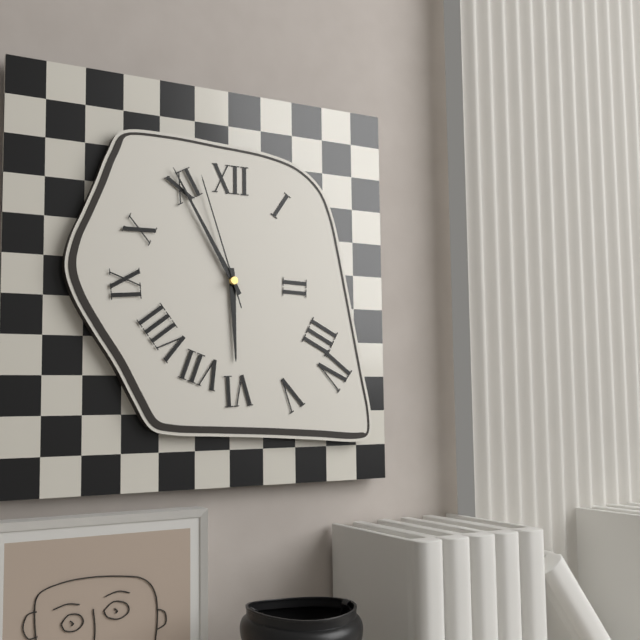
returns {"hour": 5, "minute": 55, "second": 57}
